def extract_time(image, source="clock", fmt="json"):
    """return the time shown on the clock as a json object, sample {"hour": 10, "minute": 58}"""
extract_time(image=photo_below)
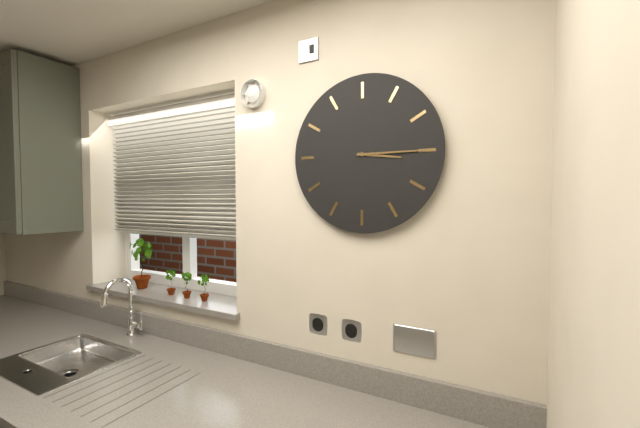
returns {"hour": 3, "minute": 15}
